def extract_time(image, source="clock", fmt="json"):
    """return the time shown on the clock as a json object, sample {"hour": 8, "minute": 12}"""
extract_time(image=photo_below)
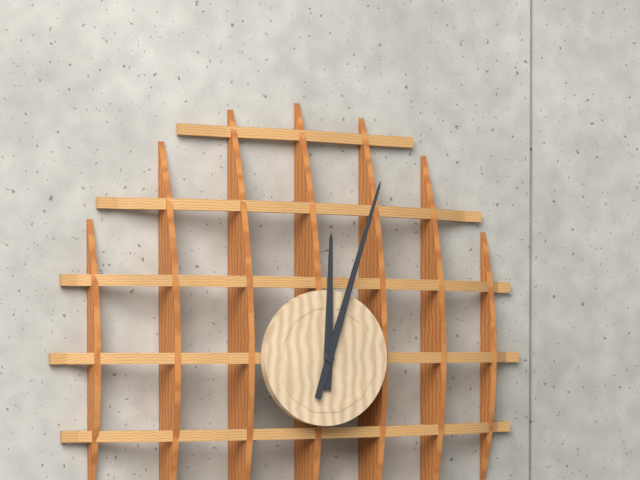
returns {"hour": 12, "minute": 3}
